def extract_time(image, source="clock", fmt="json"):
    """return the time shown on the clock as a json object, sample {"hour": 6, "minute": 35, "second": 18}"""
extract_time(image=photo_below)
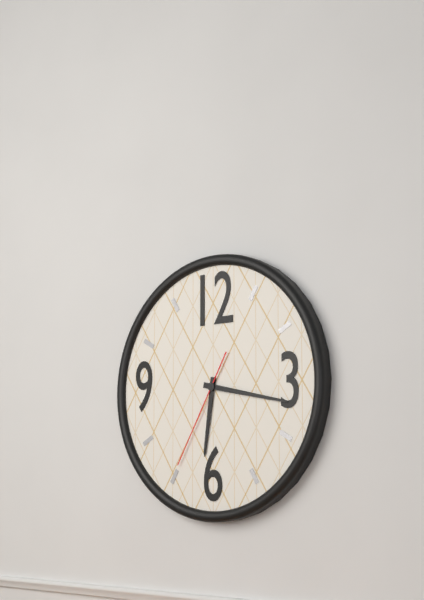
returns {"hour": 6, "minute": 17, "second": 35}
